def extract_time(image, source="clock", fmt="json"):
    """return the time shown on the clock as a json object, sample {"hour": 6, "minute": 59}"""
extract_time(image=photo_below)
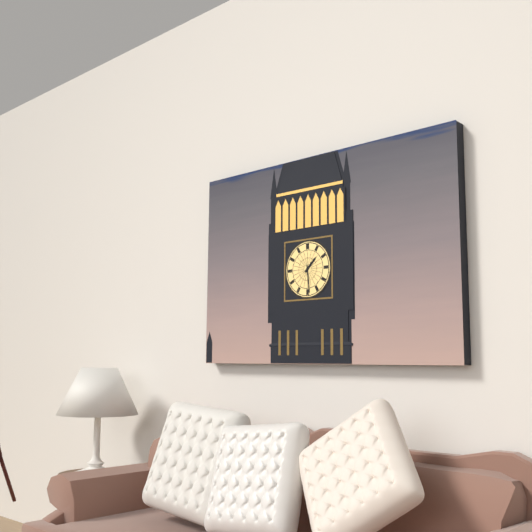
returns {"hour": 1, "minute": 29}
